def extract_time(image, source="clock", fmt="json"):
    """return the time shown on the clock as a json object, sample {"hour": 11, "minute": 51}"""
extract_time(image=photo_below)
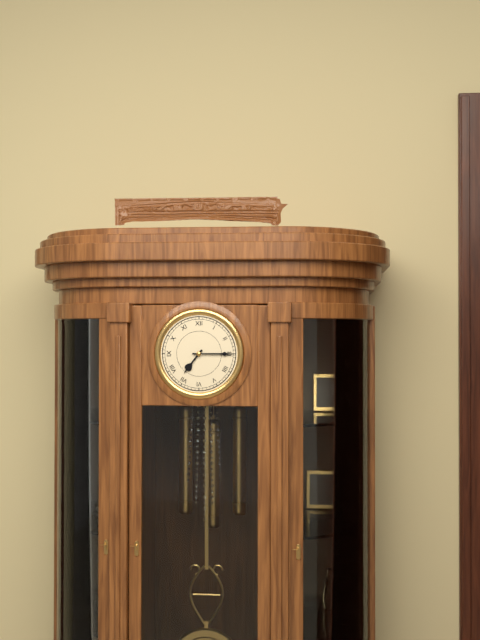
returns {"hour": 7, "minute": 15}
